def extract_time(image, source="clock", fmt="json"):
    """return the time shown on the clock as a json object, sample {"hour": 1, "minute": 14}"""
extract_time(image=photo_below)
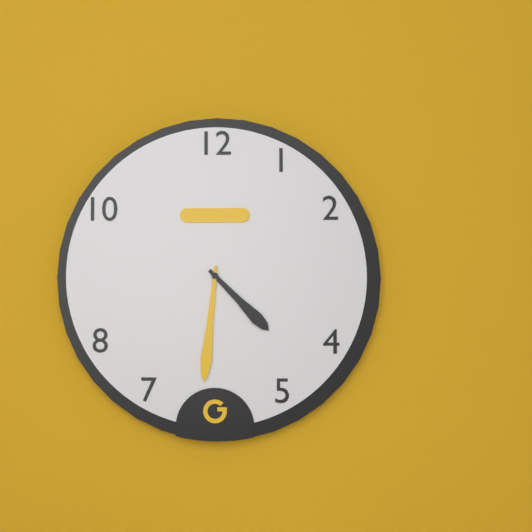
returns {"hour": 4, "minute": 31}
